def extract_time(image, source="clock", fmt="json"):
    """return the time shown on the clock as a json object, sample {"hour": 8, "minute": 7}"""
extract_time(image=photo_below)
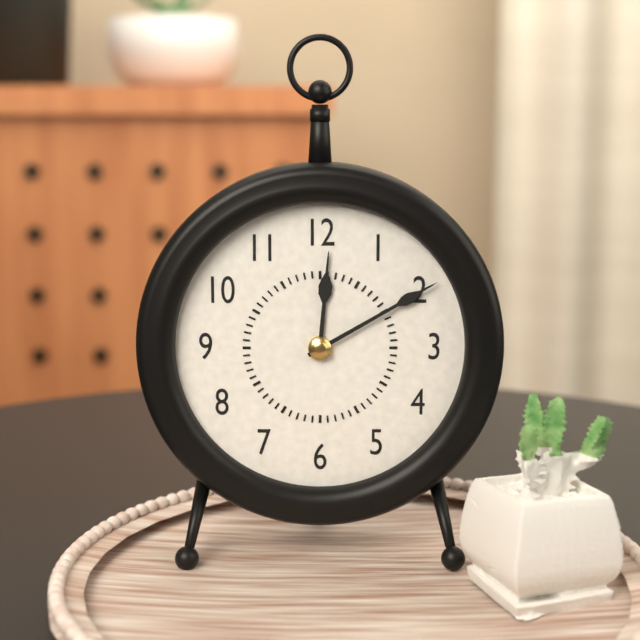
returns {"hour": 12, "minute": 10}
